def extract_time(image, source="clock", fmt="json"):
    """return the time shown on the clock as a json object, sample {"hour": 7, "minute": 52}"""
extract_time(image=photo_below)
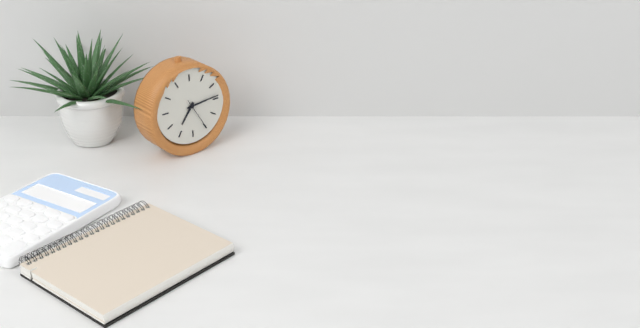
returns {"hour": 7, "minute": 14}
